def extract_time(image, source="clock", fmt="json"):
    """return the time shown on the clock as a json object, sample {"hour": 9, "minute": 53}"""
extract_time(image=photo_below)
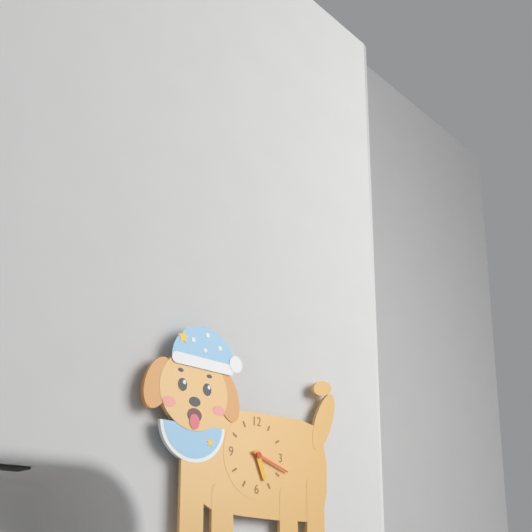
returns {"hour": 5, "minute": 18}
